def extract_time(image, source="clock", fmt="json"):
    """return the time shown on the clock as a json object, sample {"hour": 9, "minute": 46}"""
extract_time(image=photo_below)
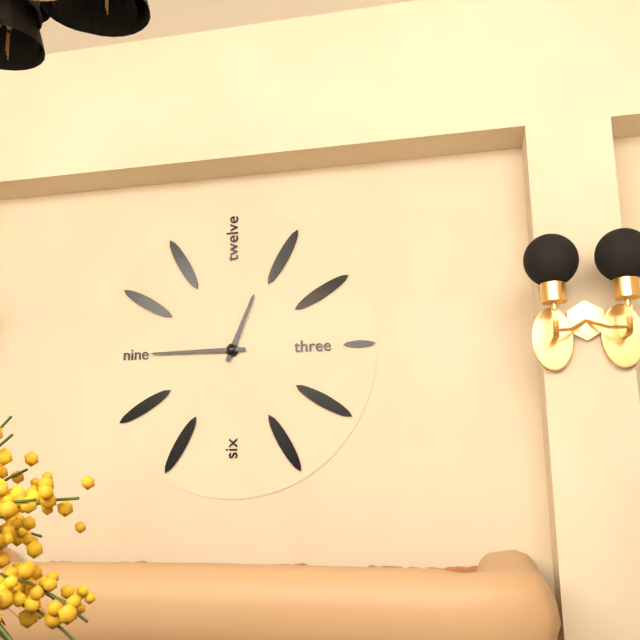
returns {"hour": 12, "minute": 45}
